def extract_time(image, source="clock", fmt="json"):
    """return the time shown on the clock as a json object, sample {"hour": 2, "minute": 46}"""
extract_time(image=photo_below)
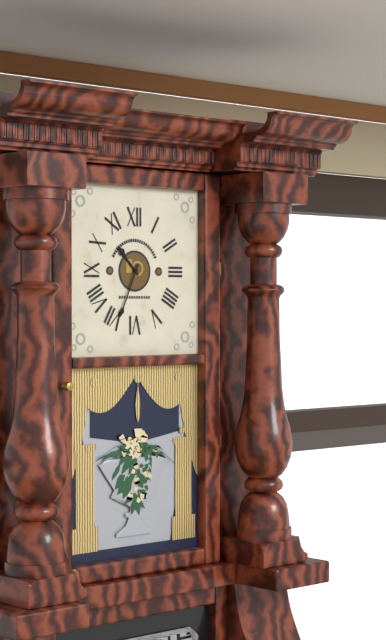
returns {"hour": 10, "minute": 34}
